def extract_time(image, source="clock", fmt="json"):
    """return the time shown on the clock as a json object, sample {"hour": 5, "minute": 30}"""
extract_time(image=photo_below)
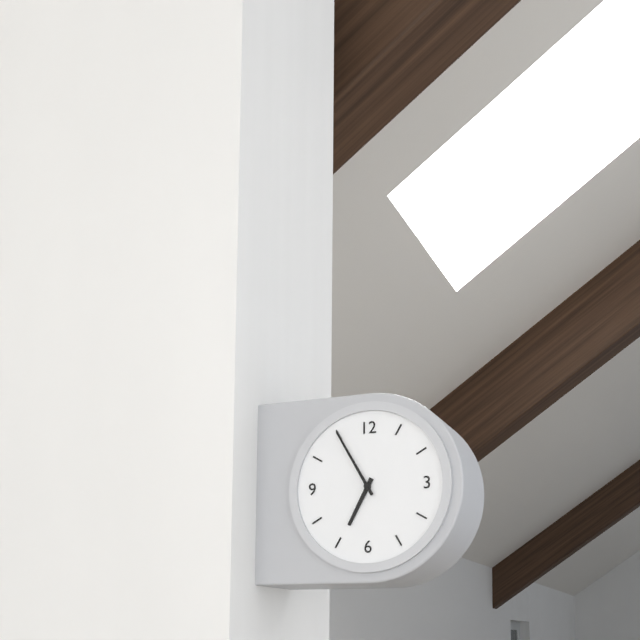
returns {"hour": 6, "minute": 55}
